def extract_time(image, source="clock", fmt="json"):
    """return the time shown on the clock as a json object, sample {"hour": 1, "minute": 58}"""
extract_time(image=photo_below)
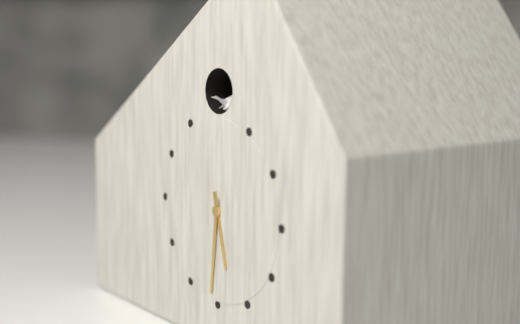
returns {"hour": 5, "minute": 31}
